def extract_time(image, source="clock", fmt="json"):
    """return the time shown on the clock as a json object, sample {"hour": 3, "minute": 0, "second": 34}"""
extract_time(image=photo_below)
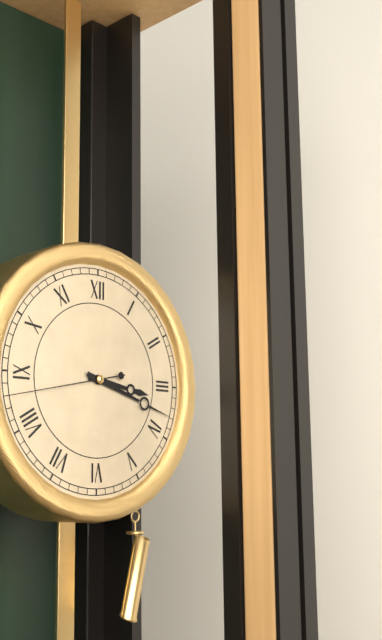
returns {"hour": 3, "minute": 18, "second": 43}
